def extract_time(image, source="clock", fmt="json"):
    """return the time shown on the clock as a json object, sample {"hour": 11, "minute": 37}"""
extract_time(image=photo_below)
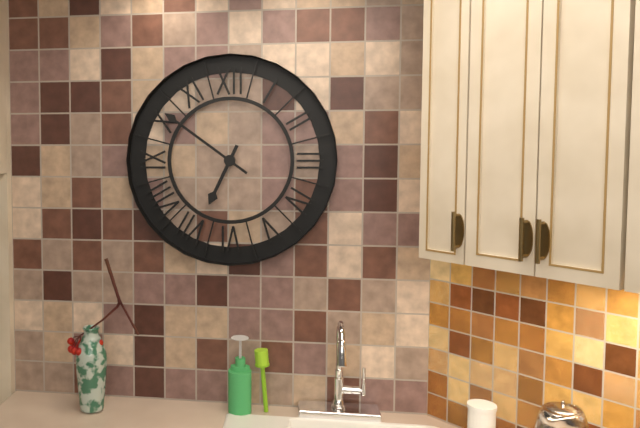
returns {"hour": 6, "minute": 51}
